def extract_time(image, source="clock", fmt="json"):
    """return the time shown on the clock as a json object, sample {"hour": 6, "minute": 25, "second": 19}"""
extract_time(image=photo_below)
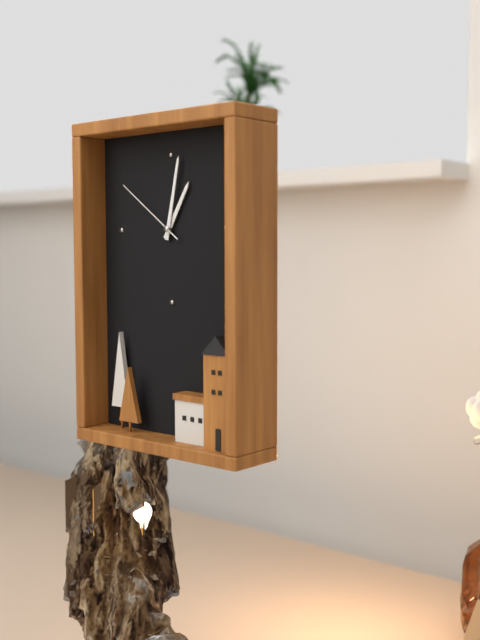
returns {"hour": 1, "minute": 2, "second": 51}
